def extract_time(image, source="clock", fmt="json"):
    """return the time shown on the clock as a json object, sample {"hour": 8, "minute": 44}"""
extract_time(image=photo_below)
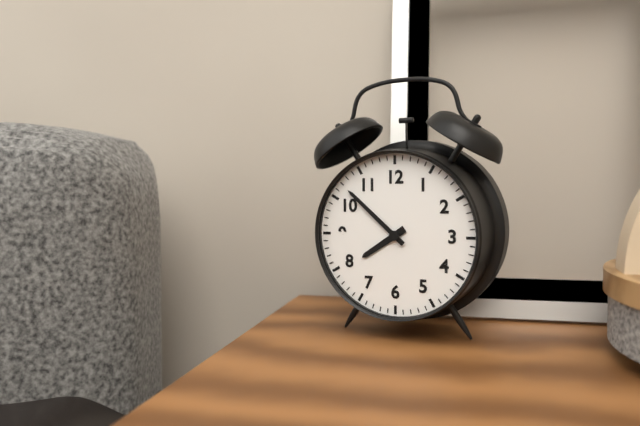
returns {"hour": 7, "minute": 52}
